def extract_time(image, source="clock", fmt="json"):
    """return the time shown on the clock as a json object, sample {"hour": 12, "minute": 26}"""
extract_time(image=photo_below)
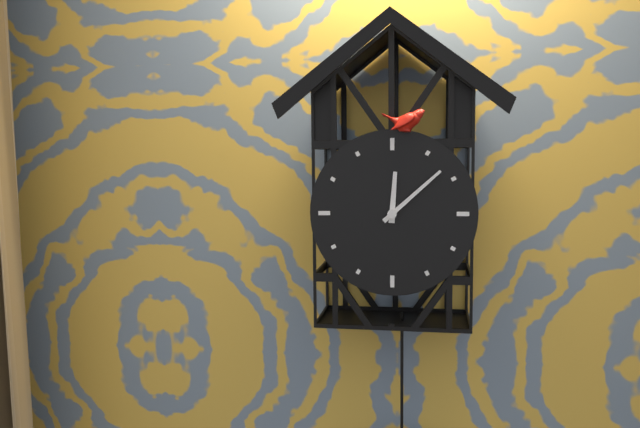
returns {"hour": 12, "minute": 8}
